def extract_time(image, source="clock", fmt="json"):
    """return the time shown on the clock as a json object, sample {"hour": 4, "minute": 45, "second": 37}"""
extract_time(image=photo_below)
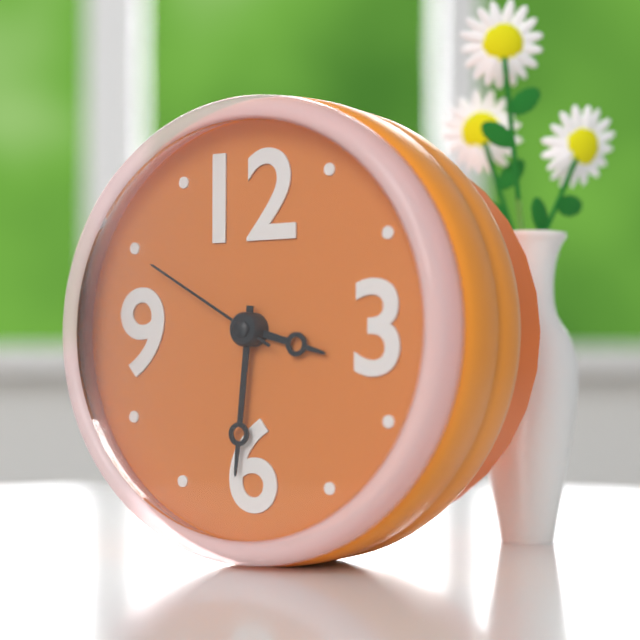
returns {"hour": 3, "minute": 31, "second": 50}
